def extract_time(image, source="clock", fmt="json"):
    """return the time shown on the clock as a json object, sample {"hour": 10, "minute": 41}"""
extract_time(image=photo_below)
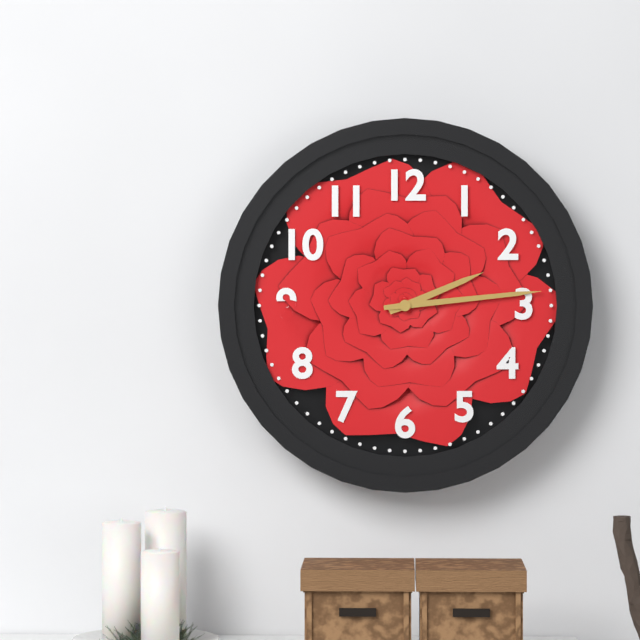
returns {"hour": 2, "minute": 14}
